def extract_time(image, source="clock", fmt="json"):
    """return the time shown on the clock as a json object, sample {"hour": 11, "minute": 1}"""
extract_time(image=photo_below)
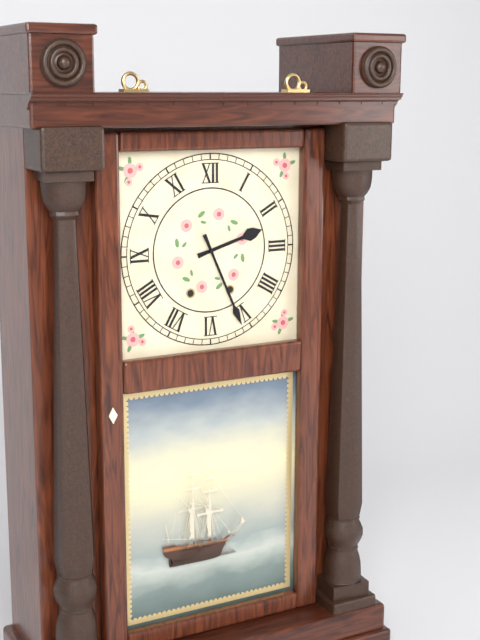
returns {"hour": 2, "minute": 26}
